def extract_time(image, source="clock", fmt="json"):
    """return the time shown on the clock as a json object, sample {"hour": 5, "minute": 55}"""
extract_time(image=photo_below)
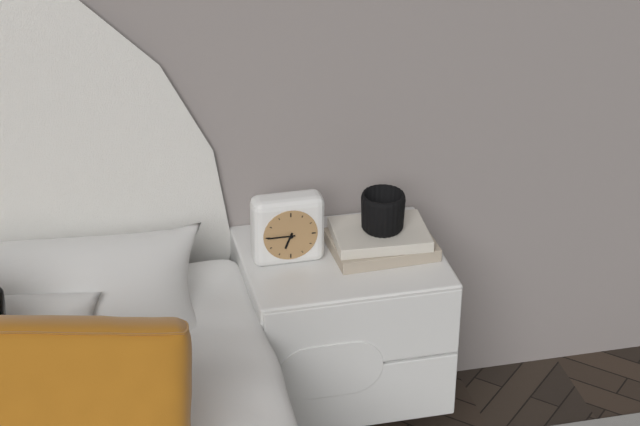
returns {"hour": 6, "minute": 45}
